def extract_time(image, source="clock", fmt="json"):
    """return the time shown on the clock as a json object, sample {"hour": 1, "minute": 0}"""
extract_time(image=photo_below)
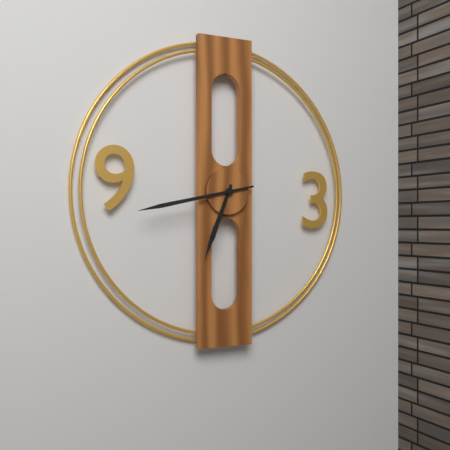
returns {"hour": 6, "minute": 43}
